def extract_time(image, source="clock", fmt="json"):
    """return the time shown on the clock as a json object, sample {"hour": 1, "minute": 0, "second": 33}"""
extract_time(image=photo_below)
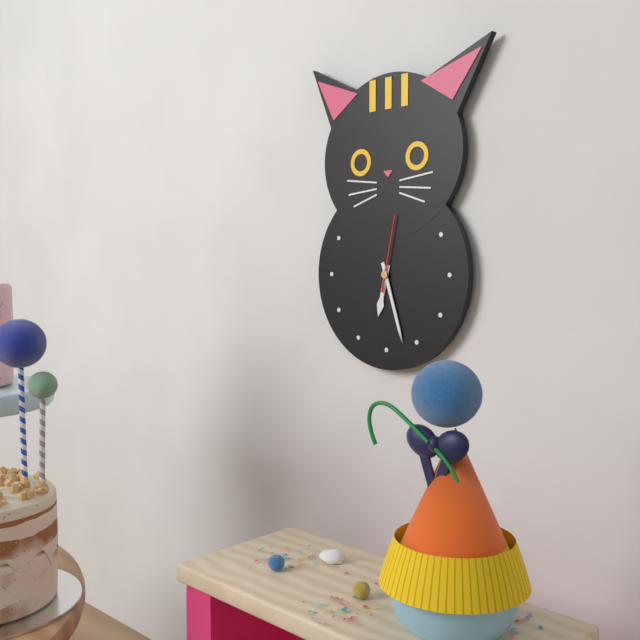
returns {"hour": 6, "minute": 27, "second": 2}
